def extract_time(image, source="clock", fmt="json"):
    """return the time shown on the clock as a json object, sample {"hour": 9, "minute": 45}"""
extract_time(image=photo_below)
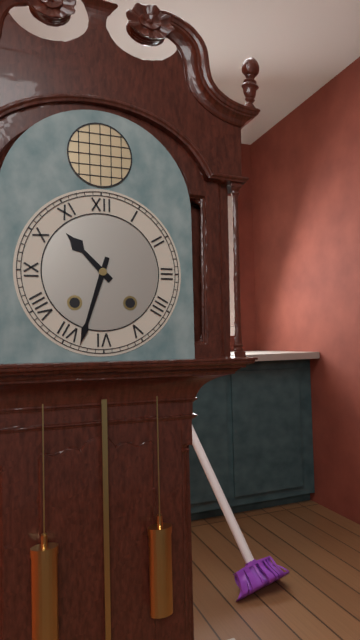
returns {"hour": 10, "minute": 33}
